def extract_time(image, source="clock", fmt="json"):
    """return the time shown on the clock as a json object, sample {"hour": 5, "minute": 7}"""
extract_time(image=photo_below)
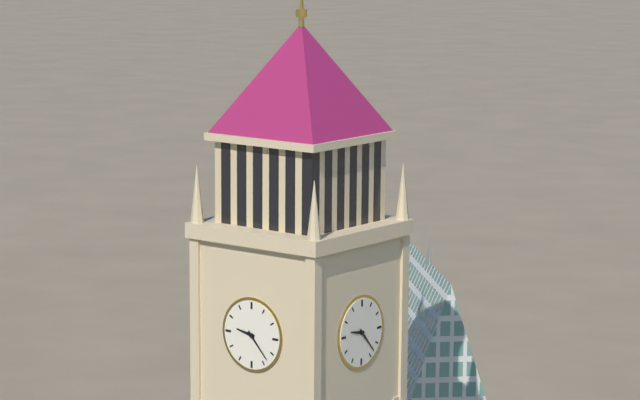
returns {"hour": 9, "minute": 23}
